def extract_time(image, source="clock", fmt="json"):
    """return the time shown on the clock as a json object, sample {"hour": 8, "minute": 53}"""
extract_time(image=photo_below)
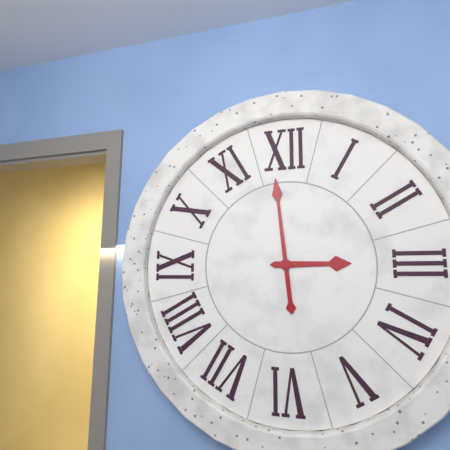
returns {"hour": 2, "minute": 59}
